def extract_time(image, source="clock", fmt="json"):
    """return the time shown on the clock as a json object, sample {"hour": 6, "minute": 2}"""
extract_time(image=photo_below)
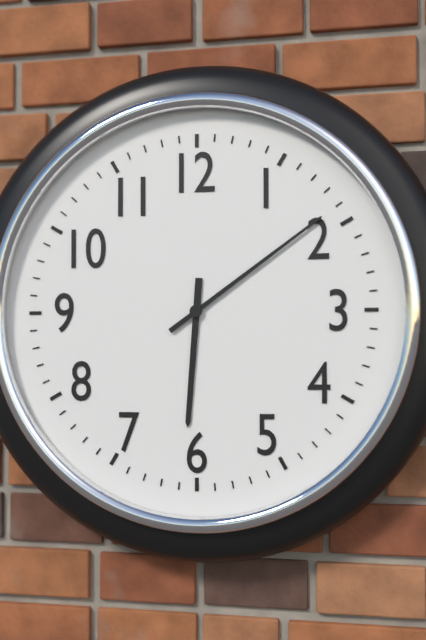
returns {"hour": 6, "minute": 9}
